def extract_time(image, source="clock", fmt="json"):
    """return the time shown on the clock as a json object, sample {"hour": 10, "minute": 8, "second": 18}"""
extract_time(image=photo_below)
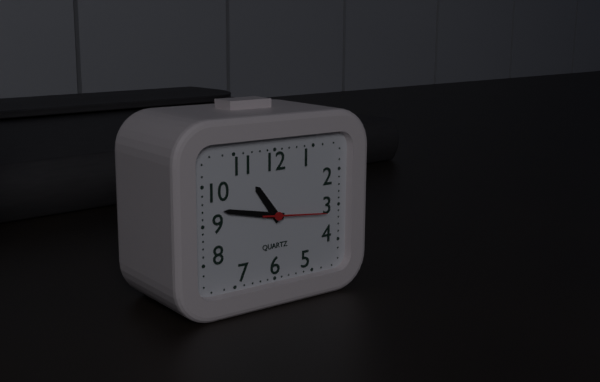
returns {"hour": 10, "minute": 47, "second": 16}
